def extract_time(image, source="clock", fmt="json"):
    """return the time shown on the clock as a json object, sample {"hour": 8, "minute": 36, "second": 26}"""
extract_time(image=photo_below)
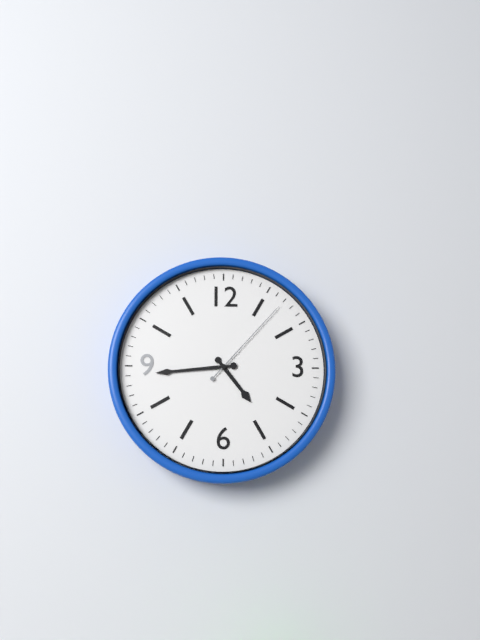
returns {"hour": 4, "minute": 44, "second": 7}
